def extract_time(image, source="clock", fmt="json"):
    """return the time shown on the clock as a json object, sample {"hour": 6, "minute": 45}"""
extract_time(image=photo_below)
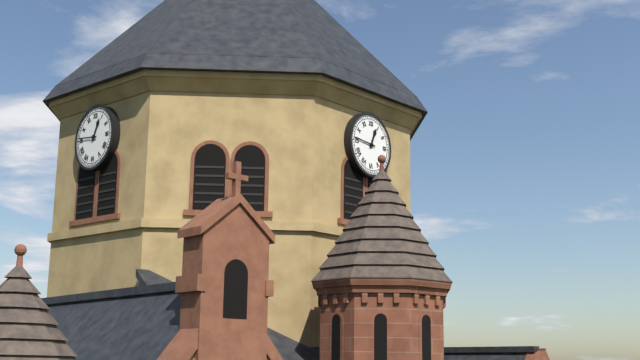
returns {"hour": 12, "minute": 46}
